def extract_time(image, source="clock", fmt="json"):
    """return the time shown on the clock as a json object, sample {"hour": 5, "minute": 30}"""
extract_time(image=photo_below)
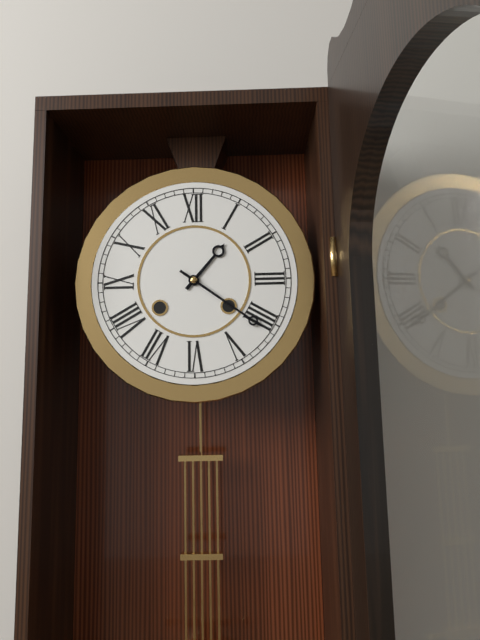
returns {"hour": 1, "minute": 21}
